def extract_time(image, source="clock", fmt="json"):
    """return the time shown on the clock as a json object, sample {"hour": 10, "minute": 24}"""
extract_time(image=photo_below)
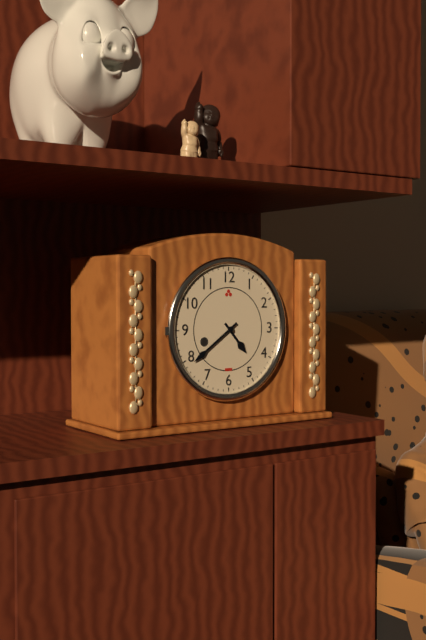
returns {"hour": 4, "minute": 39}
